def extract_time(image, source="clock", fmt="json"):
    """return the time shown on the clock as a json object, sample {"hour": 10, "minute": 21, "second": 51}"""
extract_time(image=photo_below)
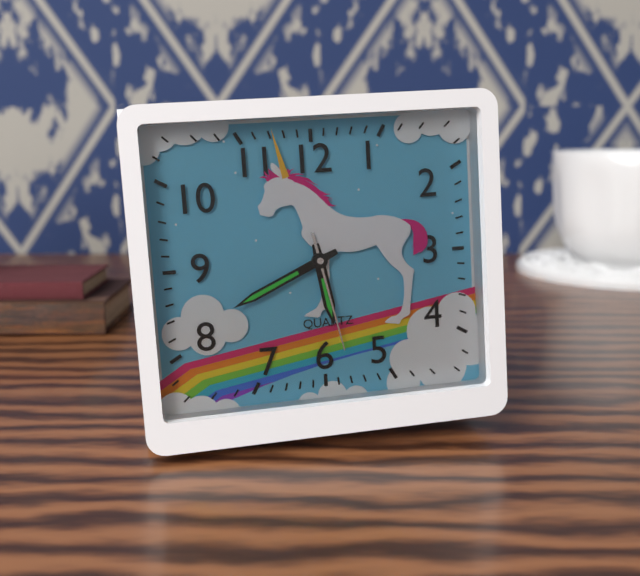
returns {"hour": 5, "minute": 41, "second": 28}
